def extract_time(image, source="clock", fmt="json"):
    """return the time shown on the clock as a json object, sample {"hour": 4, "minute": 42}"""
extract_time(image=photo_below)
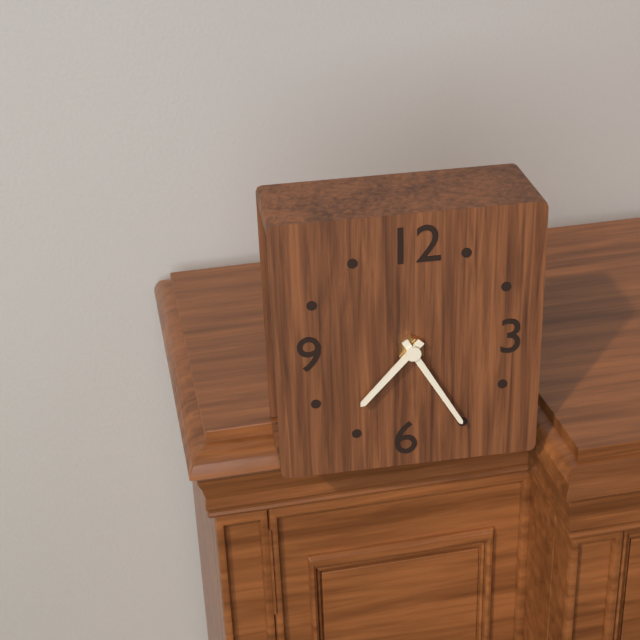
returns {"hour": 7, "minute": 25}
